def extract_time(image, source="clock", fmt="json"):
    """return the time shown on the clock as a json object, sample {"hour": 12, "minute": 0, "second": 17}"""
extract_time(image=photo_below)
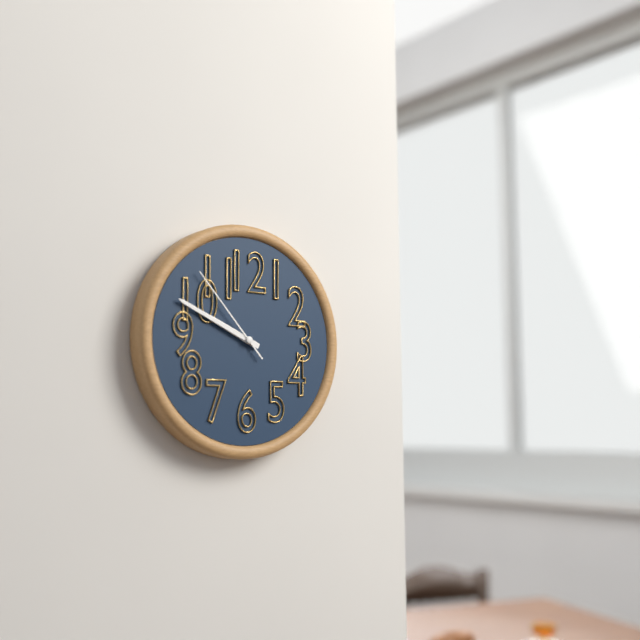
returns {"hour": 9, "minute": 49, "second": 53}
